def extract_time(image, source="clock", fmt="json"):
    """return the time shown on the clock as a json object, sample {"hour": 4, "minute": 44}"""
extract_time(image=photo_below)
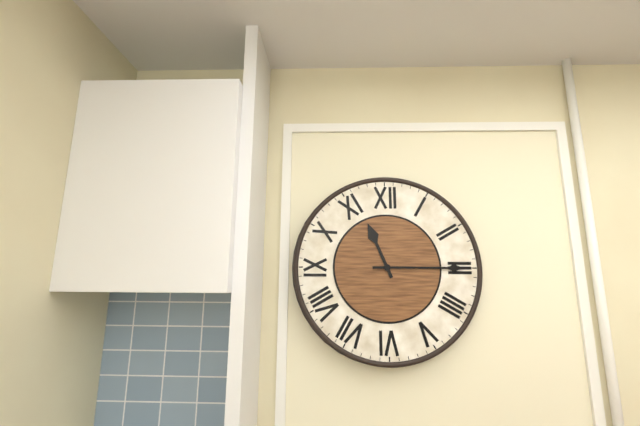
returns {"hour": 11, "minute": 15}
